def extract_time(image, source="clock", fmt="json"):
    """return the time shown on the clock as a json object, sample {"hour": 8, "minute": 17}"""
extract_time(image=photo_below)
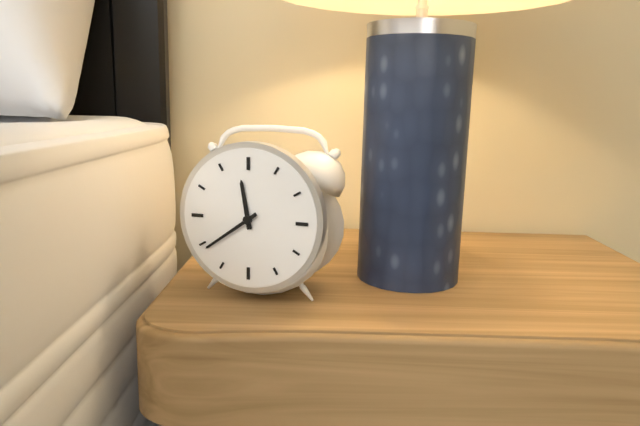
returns {"hour": 11, "minute": 39}
